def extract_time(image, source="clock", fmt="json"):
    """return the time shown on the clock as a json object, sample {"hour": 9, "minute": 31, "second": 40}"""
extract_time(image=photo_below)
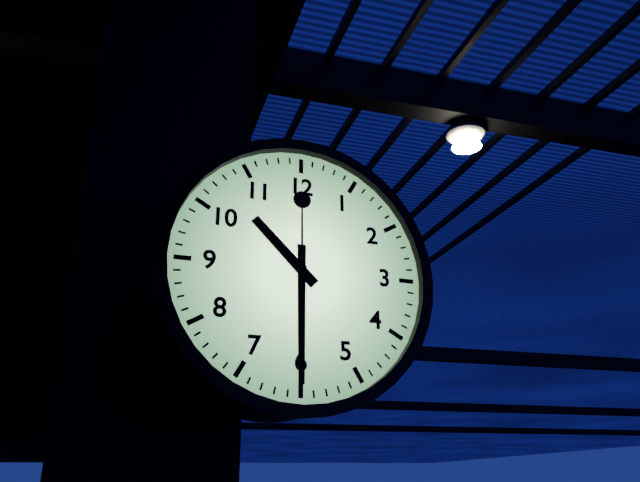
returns {"hour": 10, "minute": 30, "second": 0}
